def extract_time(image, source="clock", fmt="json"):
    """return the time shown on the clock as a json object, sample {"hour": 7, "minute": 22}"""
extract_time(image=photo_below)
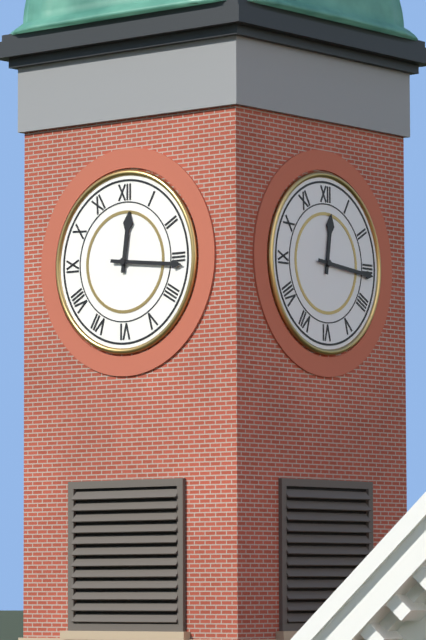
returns {"hour": 12, "minute": 16}
